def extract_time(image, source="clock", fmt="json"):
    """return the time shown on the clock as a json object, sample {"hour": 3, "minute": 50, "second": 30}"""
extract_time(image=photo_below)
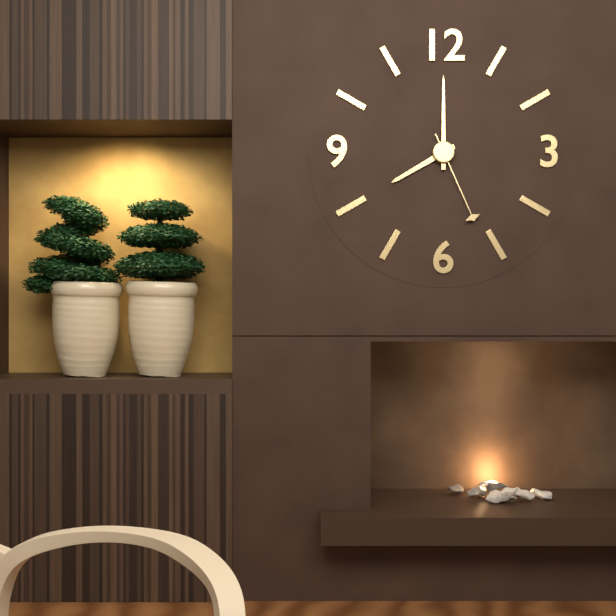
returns {"hour": 8, "minute": 0, "second": 26}
